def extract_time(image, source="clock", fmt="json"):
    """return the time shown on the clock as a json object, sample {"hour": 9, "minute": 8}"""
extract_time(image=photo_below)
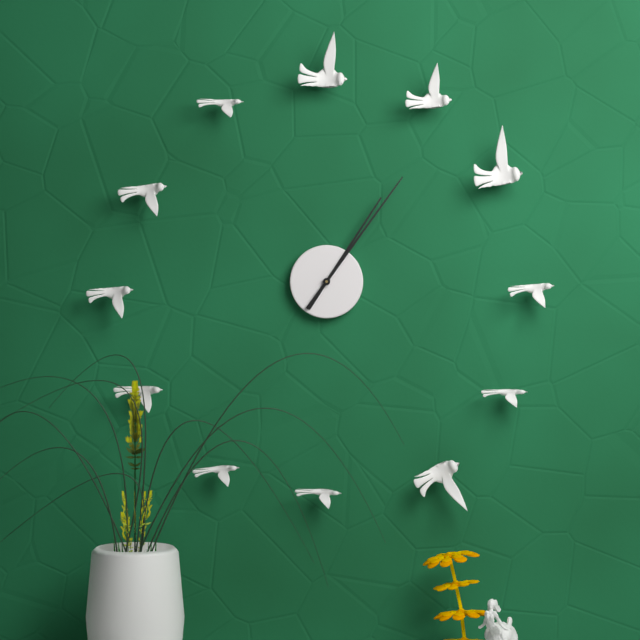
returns {"hour": 1, "minute": 6}
